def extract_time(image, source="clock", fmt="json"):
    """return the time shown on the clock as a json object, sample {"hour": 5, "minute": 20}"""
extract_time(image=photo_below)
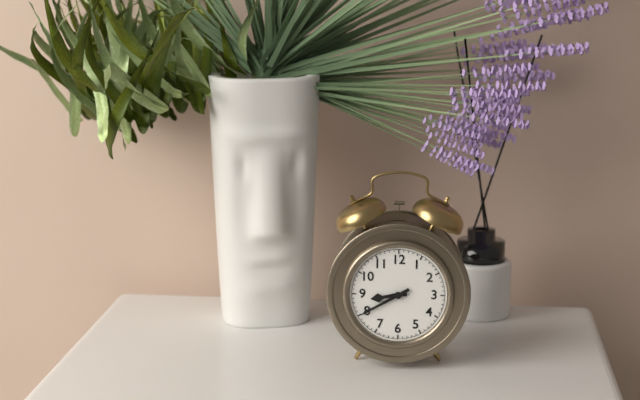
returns {"hour": 8, "minute": 40}
